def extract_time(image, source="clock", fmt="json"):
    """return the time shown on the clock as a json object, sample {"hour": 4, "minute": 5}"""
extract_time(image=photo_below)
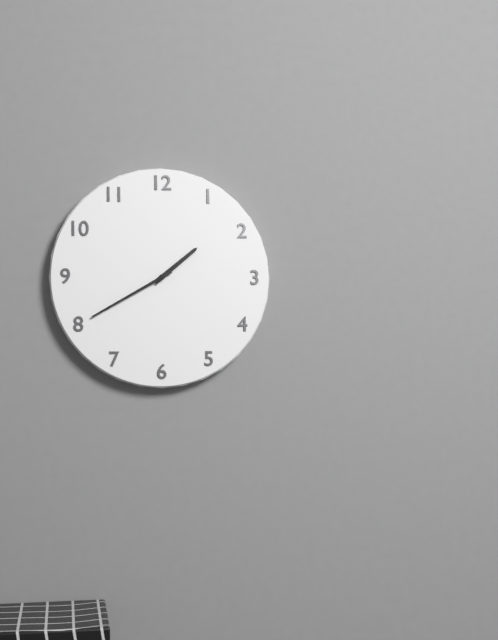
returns {"hour": 1, "minute": 40}
